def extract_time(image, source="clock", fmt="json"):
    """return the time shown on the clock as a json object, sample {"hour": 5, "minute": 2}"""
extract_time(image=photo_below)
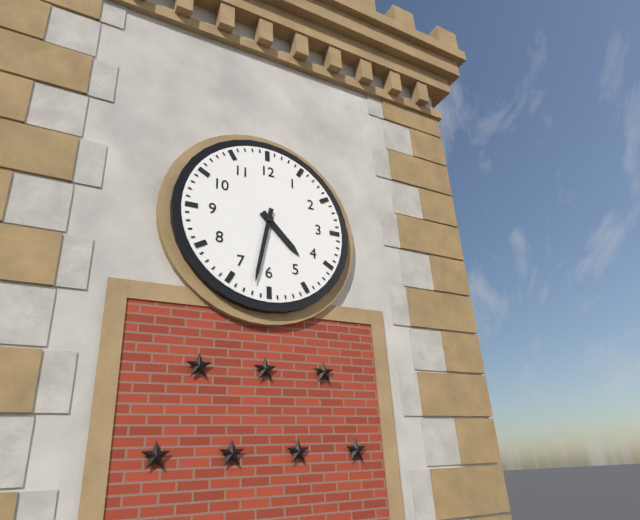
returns {"hour": 4, "minute": 32}
